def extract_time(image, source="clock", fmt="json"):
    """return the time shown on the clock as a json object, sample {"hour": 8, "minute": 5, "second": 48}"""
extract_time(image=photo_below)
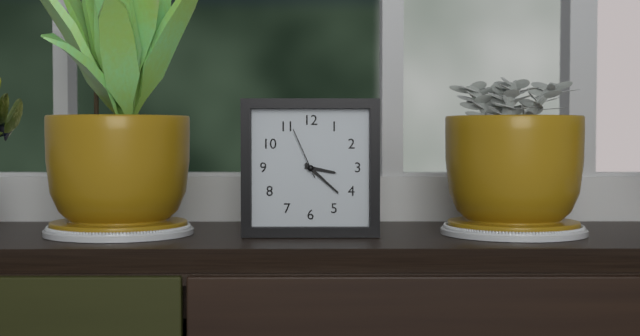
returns {"hour": 3, "minute": 22, "second": 56}
